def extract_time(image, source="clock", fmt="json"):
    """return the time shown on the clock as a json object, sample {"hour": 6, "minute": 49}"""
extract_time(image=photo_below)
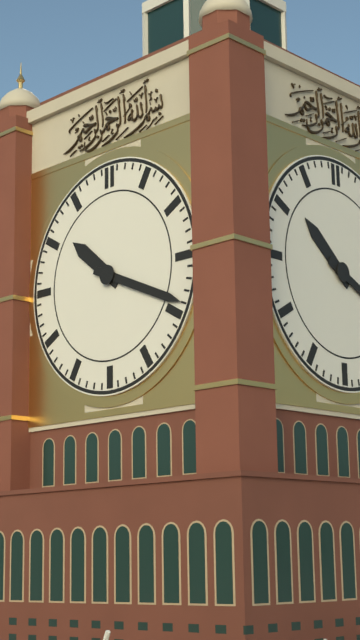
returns {"hour": 10, "minute": 19}
